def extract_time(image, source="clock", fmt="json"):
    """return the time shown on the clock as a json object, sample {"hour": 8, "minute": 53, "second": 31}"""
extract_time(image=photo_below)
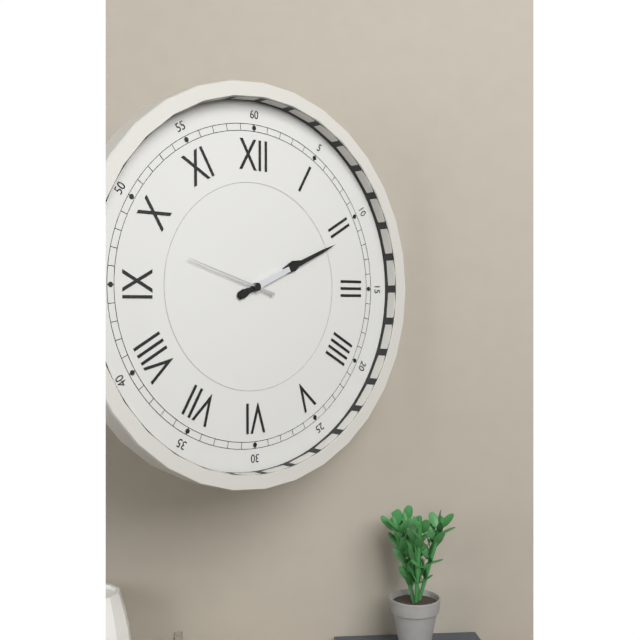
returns {"hour": 2, "minute": 11, "second": 48}
